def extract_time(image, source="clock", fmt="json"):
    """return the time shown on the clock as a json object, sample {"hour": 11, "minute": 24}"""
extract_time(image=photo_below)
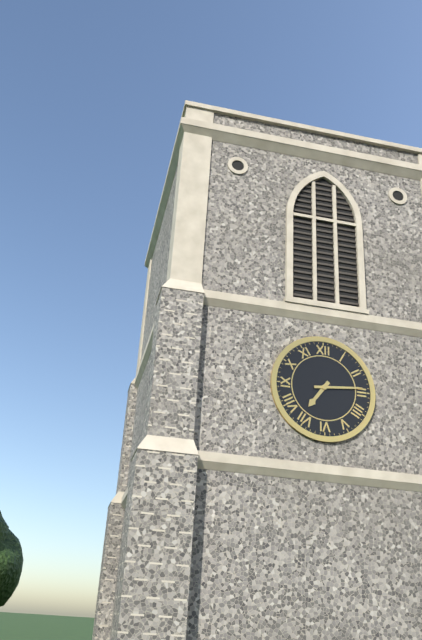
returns {"hour": 7, "minute": 14}
